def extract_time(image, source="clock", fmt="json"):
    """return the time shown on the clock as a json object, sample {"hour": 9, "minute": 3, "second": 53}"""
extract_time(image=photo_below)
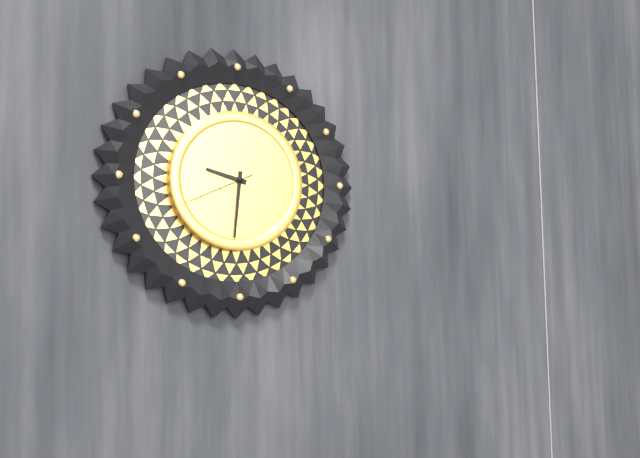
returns {"hour": 9, "minute": 31, "second": 41}
